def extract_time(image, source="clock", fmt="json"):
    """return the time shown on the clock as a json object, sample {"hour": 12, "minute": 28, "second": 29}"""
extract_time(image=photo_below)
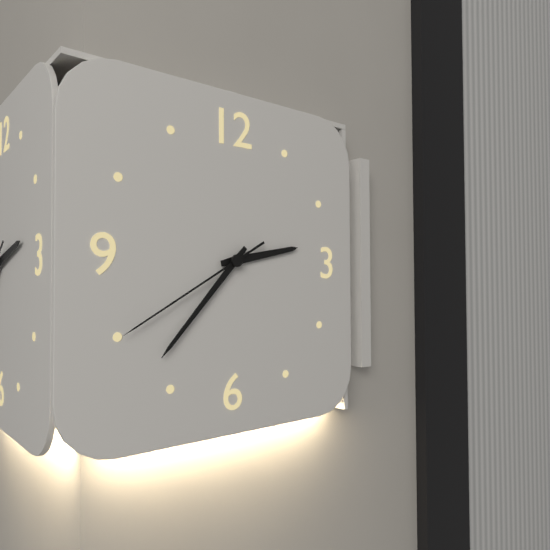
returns {"hour": 2, "minute": 37, "second": 40}
